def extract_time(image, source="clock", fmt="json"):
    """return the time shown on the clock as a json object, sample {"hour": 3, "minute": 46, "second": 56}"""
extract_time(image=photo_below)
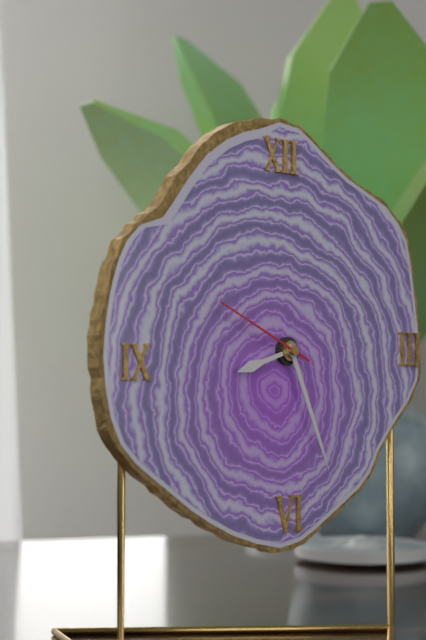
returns {"hour": 8, "minute": 26, "second": 49}
